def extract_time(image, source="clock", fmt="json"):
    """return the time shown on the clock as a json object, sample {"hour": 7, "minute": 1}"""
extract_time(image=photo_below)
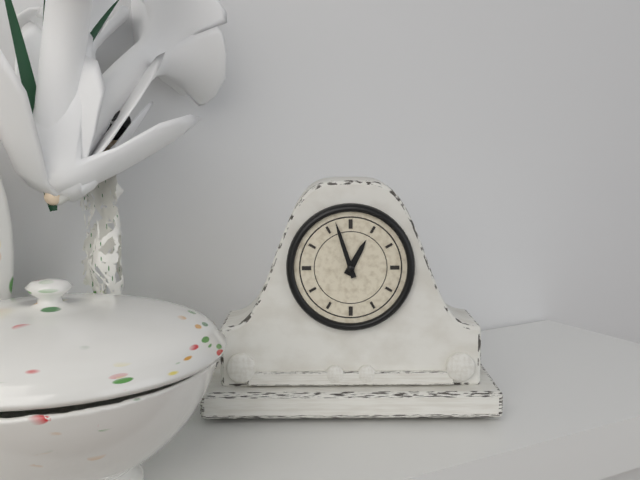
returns {"hour": 12, "minute": 57}
